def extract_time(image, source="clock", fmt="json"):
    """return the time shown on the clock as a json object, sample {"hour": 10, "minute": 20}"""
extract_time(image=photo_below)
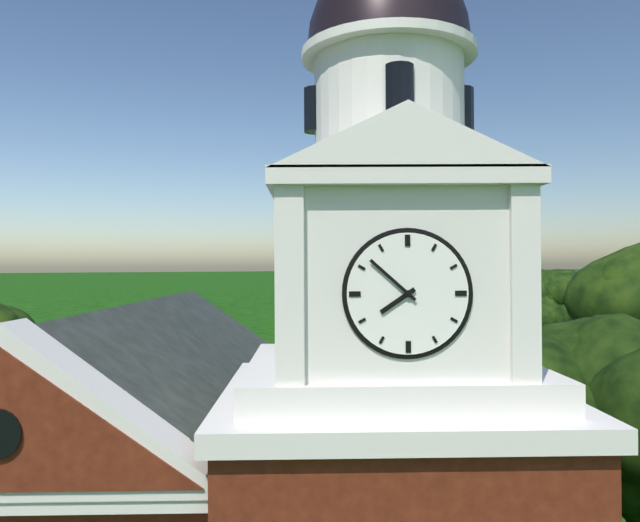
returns {"hour": 7, "minute": 52}
